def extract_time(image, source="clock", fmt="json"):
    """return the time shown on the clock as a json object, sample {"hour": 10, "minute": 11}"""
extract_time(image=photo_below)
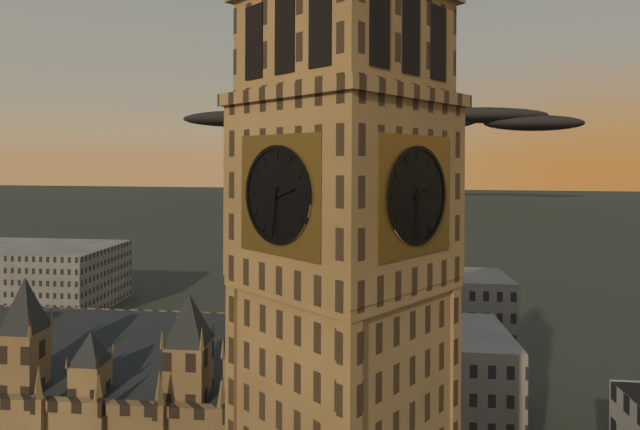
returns {"hour": 2, "minute": 31}
